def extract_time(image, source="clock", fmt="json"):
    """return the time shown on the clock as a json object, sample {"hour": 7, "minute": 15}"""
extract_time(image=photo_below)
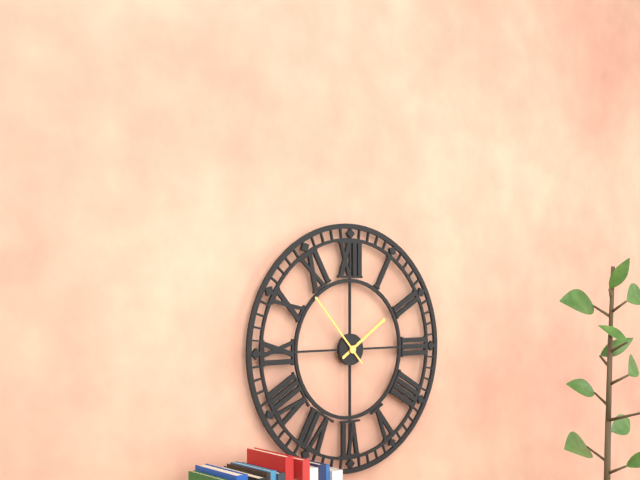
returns {"hour": 1, "minute": 53}
